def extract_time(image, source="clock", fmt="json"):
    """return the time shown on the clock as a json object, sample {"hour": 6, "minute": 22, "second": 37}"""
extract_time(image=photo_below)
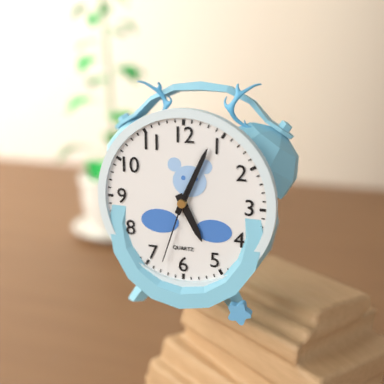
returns {"hour": 5, "minute": 4, "second": 33}
